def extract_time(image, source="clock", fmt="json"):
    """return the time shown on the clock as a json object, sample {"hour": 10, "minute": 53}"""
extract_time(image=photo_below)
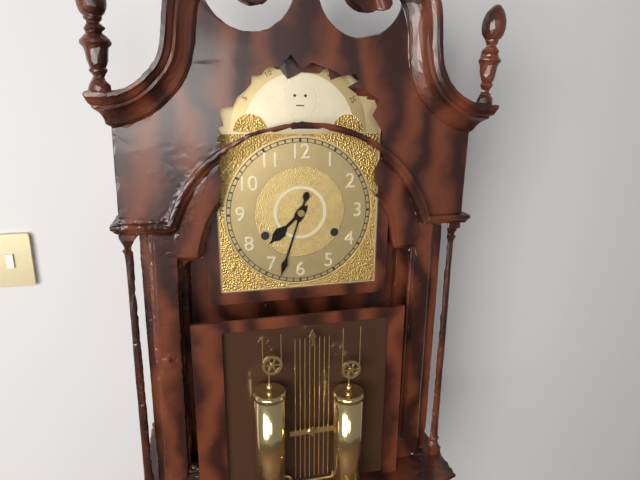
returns {"hour": 7, "minute": 33}
